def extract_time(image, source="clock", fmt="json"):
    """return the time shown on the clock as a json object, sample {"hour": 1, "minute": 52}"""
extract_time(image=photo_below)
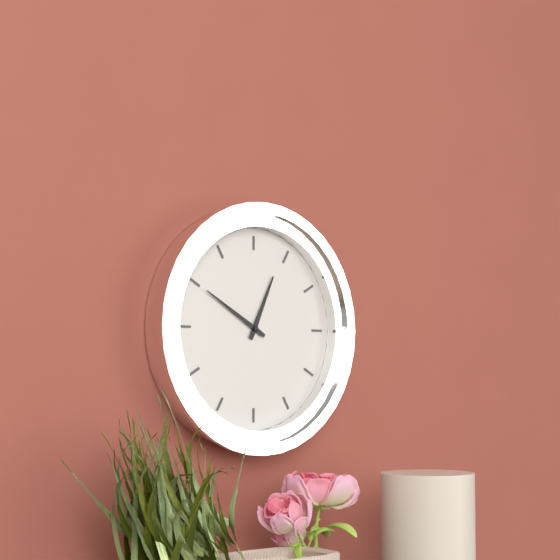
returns {"hour": 12, "minute": 50}
